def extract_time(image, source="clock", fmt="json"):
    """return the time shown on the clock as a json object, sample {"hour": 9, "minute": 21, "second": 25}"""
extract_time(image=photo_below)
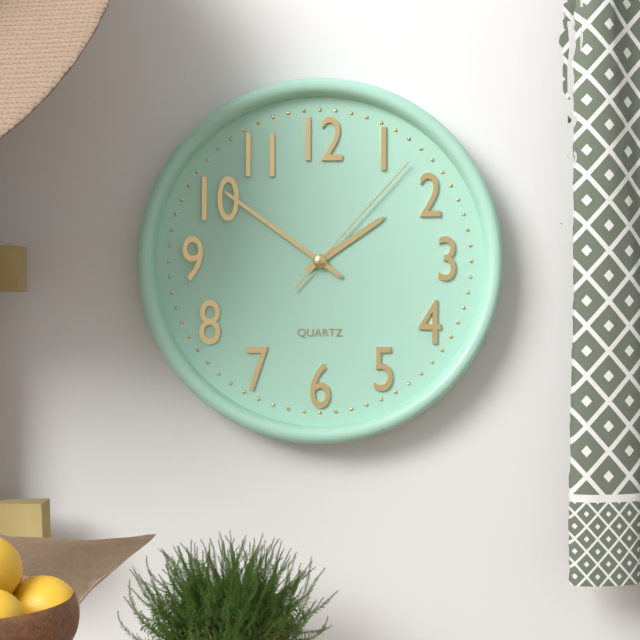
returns {"hour": 1, "minute": 51, "second": 7}
